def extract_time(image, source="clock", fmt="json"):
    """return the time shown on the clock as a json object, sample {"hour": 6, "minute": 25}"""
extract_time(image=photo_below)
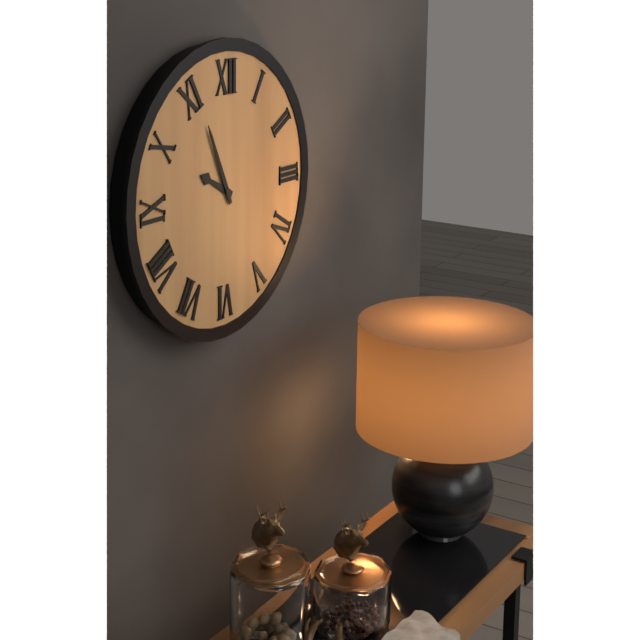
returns {"hour": 9, "minute": 56}
